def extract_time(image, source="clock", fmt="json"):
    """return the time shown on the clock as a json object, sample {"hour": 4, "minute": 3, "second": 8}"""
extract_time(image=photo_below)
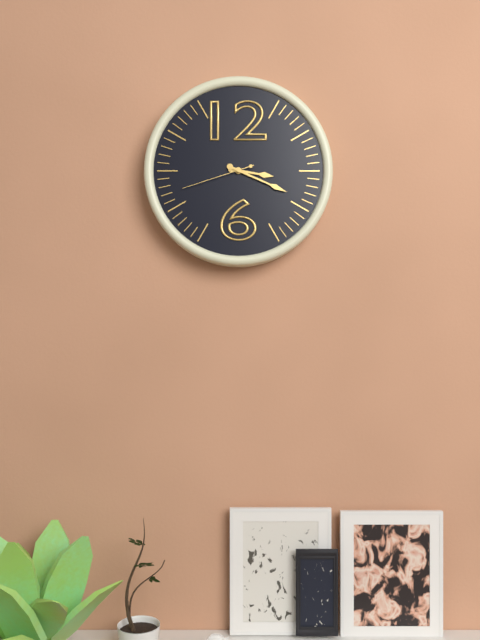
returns {"hour": 3, "minute": 19, "second": 42}
